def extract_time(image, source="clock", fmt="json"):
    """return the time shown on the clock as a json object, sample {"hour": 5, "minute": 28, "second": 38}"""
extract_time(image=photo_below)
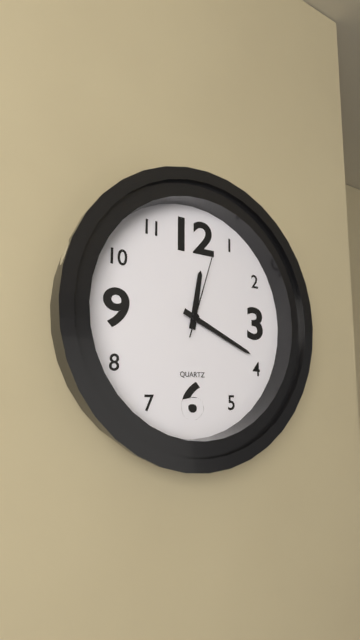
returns {"hour": 12, "minute": 19, "second": 3}
